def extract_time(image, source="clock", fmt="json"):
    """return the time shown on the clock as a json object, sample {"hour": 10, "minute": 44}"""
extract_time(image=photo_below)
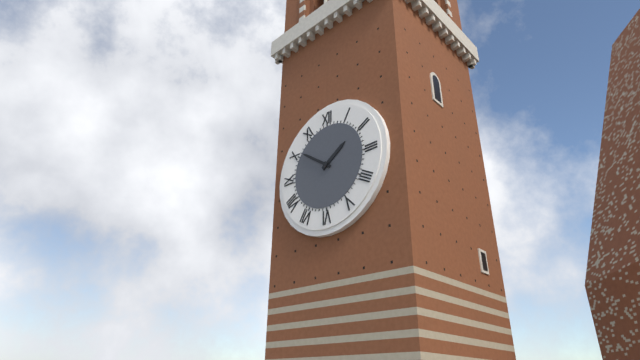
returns {"hour": 1, "minute": 51}
